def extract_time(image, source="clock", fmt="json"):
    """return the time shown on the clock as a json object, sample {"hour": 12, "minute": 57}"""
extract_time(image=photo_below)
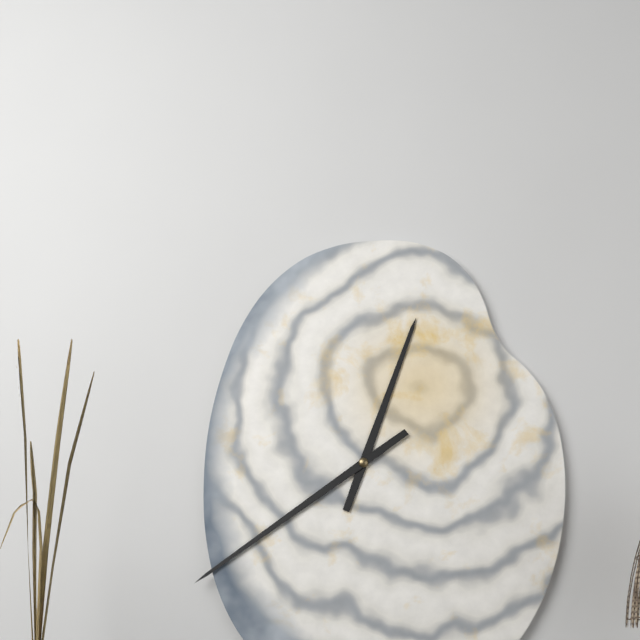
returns {"hour": 12, "minute": 39}
